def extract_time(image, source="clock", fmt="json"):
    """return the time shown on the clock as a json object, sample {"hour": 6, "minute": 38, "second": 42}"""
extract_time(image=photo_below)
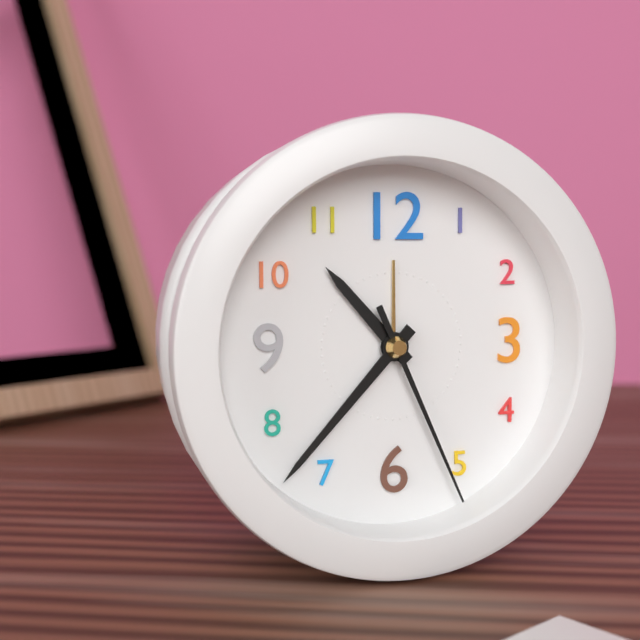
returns {"hour": 10, "minute": 37, "second": 26}
